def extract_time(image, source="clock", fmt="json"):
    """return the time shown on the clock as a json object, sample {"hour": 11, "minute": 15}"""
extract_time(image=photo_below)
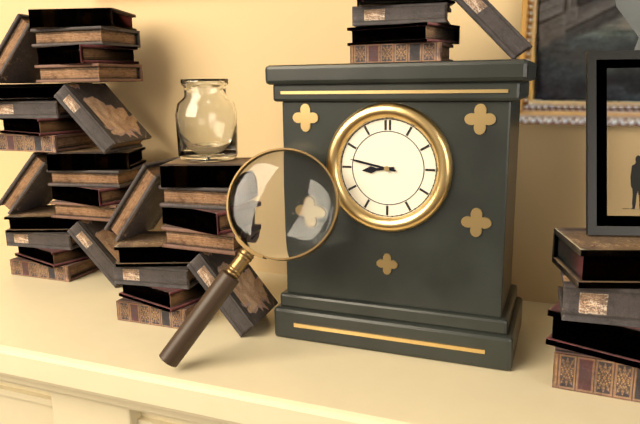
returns {"hour": 8, "minute": 47}
